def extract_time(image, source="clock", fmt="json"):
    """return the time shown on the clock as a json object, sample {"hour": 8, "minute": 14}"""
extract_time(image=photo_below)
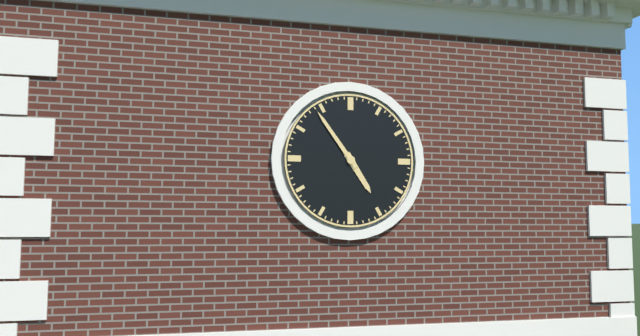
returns {"hour": 4, "minute": 54}
